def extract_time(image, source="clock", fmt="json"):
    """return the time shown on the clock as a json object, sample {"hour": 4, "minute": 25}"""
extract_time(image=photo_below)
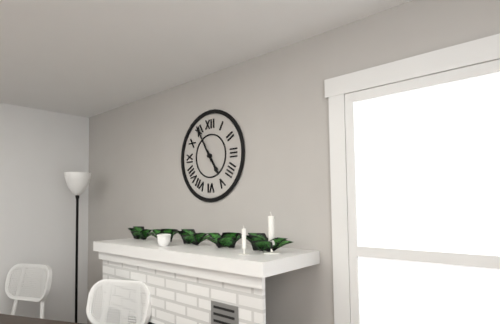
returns {"hour": 4, "minute": 55}
